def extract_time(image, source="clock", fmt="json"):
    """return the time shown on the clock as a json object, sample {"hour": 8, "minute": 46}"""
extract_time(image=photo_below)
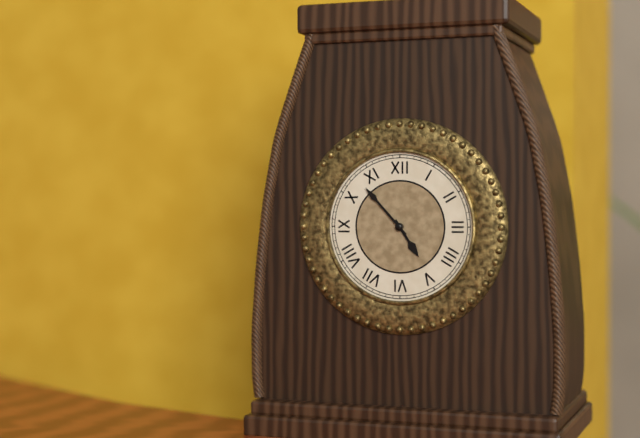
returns {"hour": 4, "minute": 53}
